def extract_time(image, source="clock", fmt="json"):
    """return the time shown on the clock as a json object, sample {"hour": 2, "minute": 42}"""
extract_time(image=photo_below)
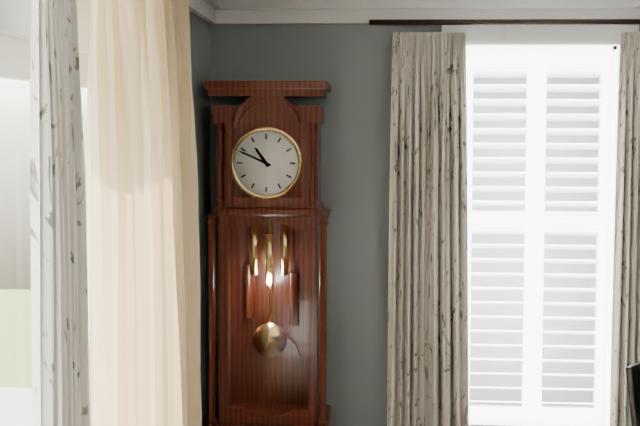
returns {"hour": 10, "minute": 49}
